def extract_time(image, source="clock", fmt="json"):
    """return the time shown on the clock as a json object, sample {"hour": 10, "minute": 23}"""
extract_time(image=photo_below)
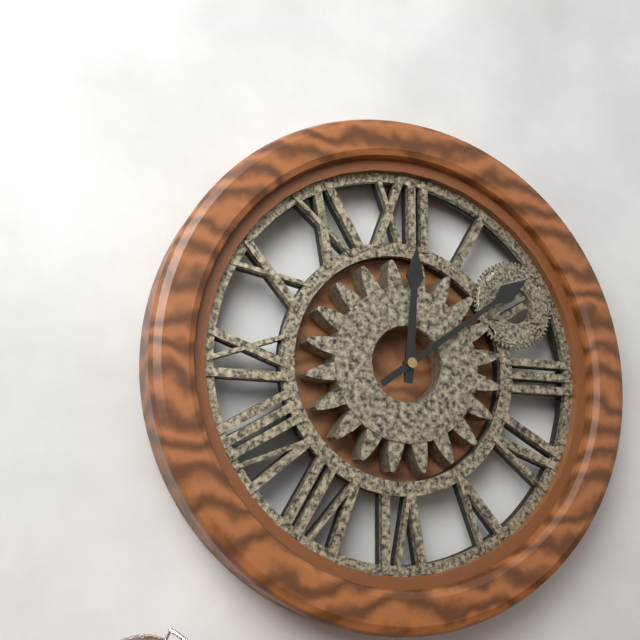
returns {"hour": 12, "minute": 9}
